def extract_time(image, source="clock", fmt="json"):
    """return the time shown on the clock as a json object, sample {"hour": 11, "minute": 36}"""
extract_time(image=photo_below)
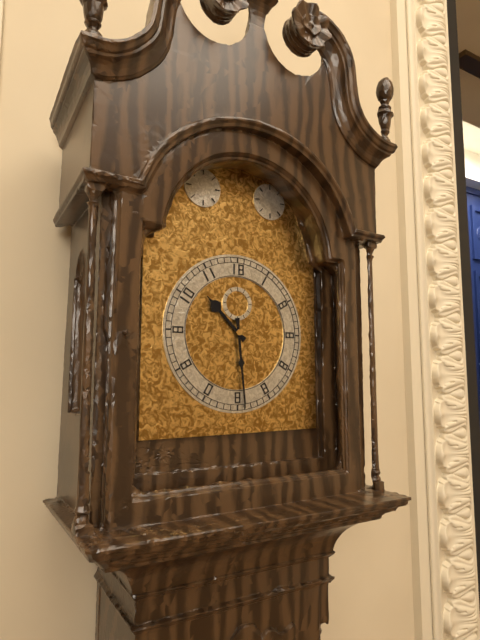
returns {"hour": 10, "minute": 29}
